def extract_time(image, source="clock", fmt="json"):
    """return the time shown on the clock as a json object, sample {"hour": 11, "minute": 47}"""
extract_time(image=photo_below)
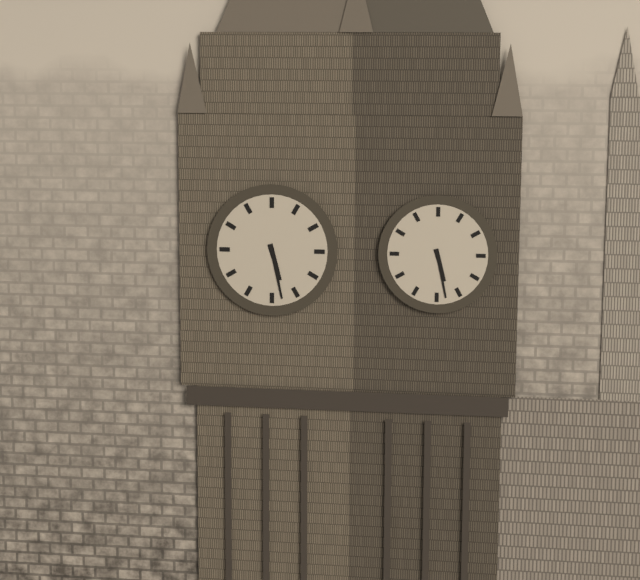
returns {"hour": 5, "minute": 28}
